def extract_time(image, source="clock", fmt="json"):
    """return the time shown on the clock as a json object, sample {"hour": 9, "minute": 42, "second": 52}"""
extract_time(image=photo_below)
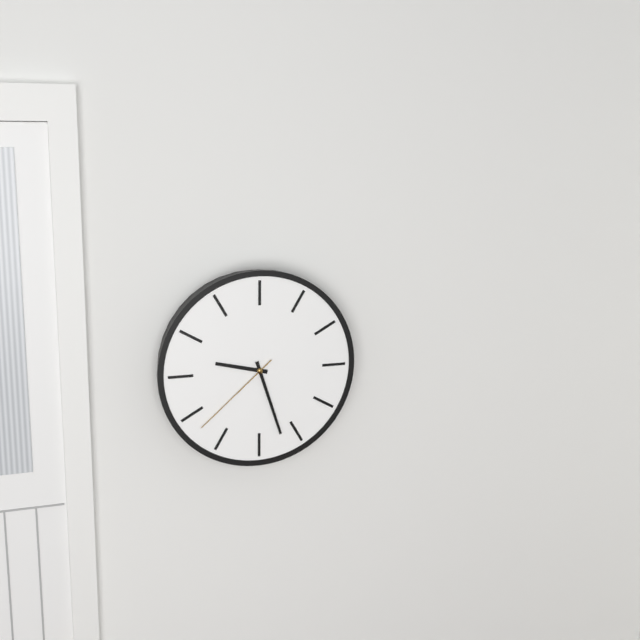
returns {"hour": 9, "minute": 27, "second": 38}
